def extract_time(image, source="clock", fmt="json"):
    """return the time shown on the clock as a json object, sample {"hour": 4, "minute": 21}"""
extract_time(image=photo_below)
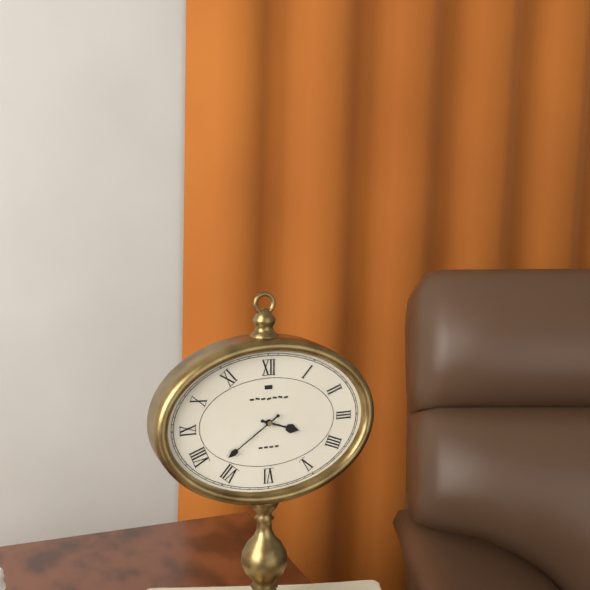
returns {"hour": 3, "minute": 39}
